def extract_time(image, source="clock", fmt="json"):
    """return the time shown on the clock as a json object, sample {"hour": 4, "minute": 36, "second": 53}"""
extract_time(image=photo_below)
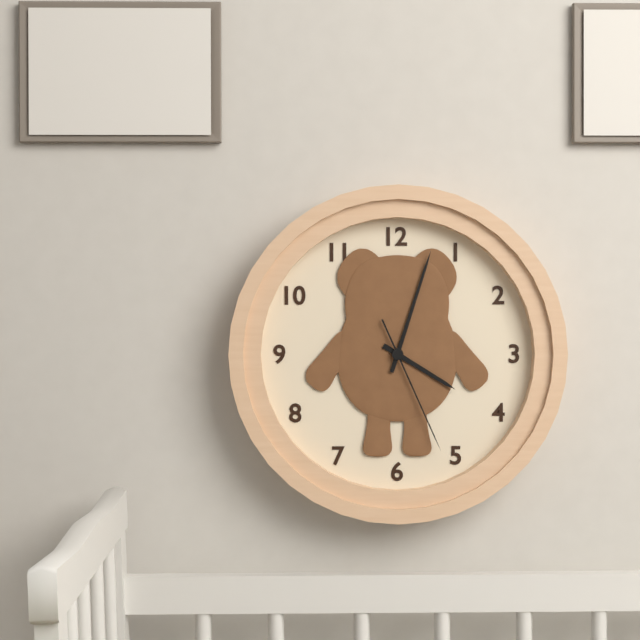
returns {"hour": 4, "minute": 3, "second": 26}
